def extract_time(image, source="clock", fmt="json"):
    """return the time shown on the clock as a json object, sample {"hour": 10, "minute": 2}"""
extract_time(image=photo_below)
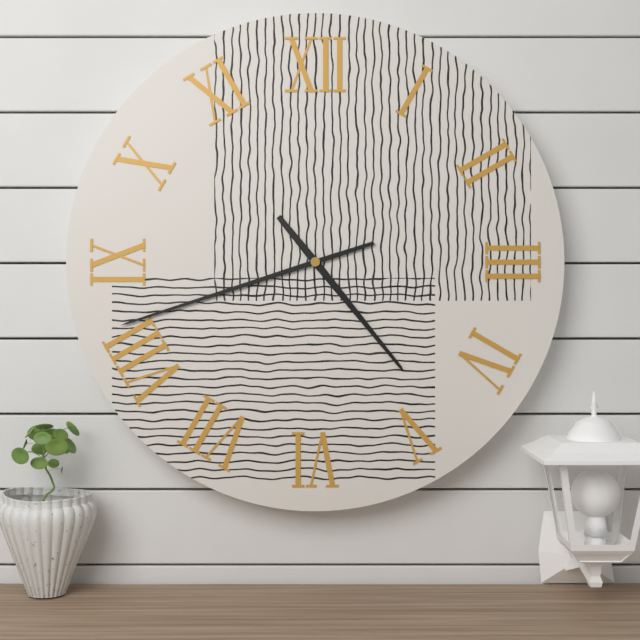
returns {"hour": 4, "minute": 42}
